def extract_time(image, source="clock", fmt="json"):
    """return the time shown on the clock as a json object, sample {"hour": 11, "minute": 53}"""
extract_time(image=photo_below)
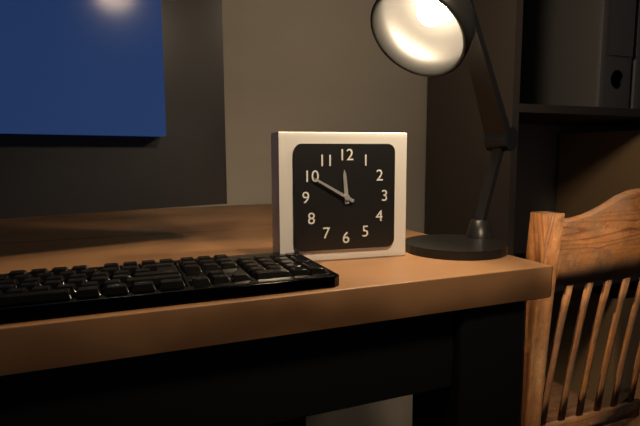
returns {"hour": 11, "minute": 50}
